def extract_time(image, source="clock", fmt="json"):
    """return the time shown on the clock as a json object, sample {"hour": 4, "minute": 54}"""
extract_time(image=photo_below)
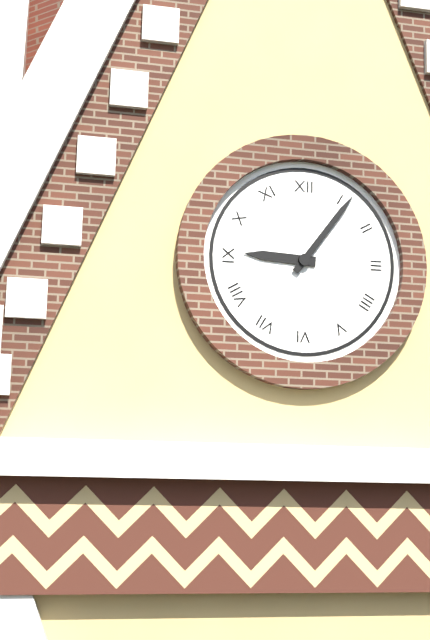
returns {"hour": 9, "minute": 6}
